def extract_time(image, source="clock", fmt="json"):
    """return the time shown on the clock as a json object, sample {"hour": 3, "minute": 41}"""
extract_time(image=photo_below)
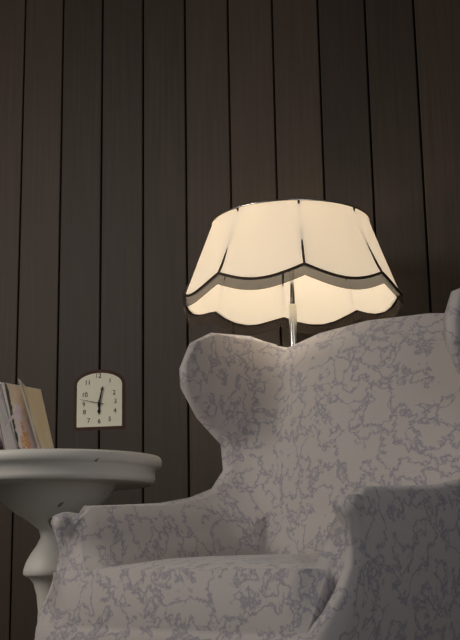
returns {"hour": 6, "minute": 2}
